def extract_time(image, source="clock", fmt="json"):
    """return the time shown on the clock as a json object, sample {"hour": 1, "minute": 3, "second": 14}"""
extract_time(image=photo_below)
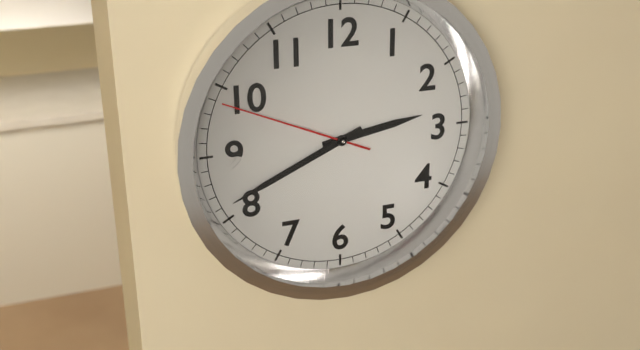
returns {"hour": 2, "minute": 41, "second": 49}
